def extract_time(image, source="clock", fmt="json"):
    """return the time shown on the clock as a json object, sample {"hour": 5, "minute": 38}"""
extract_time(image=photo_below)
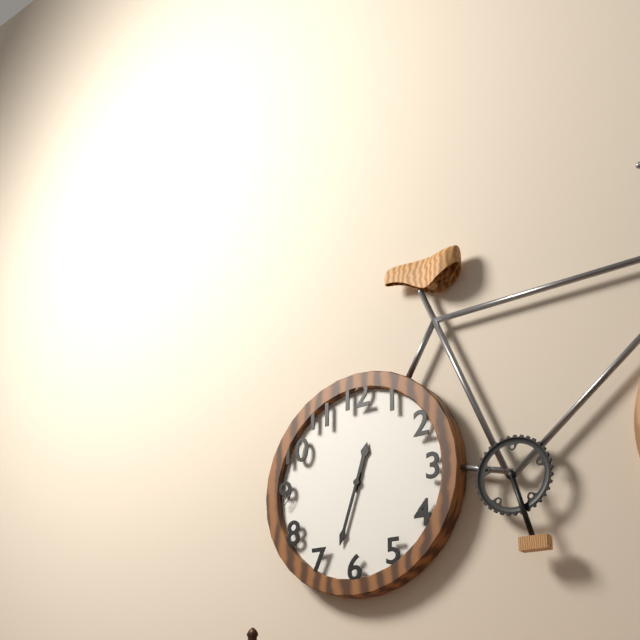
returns {"hour": 12, "minute": 33}
